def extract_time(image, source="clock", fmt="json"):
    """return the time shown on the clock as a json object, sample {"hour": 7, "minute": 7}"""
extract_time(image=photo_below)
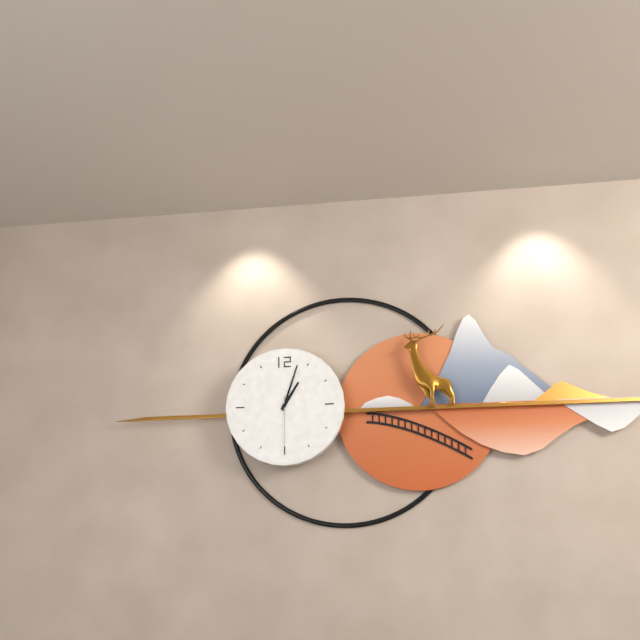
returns {"hour": 1, "minute": 3}
